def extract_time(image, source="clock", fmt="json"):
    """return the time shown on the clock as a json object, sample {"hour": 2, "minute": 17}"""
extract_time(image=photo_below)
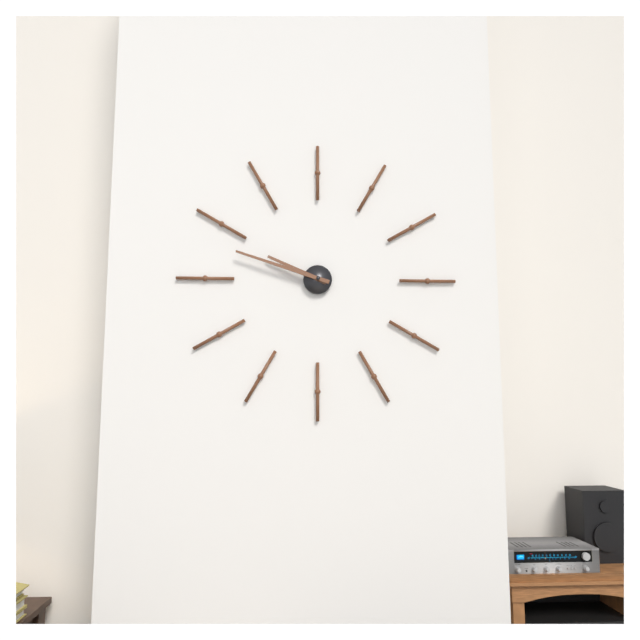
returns {"hour": 9, "minute": 48}
